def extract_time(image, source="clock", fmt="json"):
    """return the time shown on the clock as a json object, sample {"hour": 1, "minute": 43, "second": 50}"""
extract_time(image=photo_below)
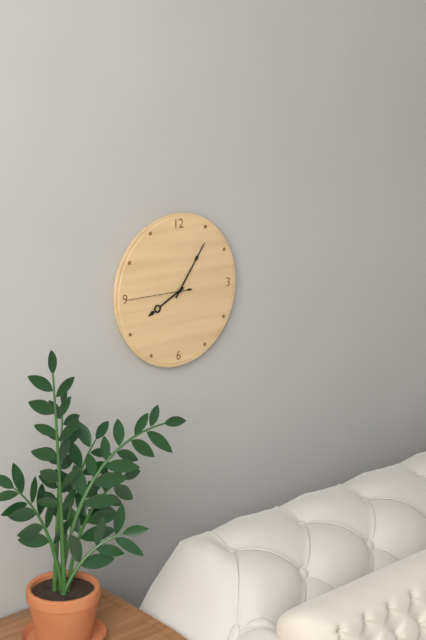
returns {"hour": 8, "minute": 6, "second": 45}
